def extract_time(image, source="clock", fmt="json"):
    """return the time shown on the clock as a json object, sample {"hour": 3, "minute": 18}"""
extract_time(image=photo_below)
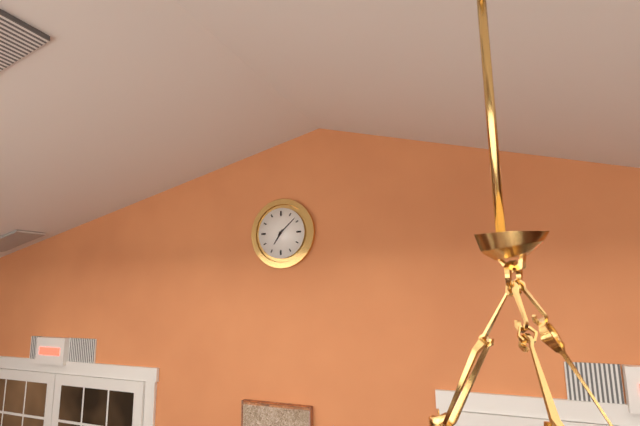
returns {"hour": 7, "minute": 8}
